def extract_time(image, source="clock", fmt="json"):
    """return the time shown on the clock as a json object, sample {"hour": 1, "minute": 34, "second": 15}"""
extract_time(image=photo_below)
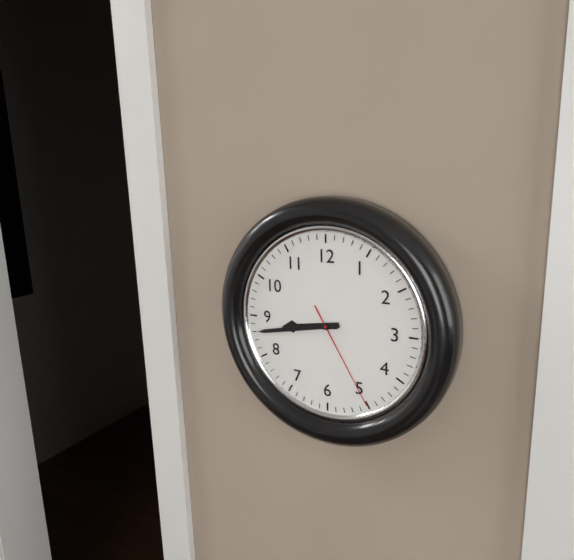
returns {"hour": 8, "minute": 43, "second": 25}
